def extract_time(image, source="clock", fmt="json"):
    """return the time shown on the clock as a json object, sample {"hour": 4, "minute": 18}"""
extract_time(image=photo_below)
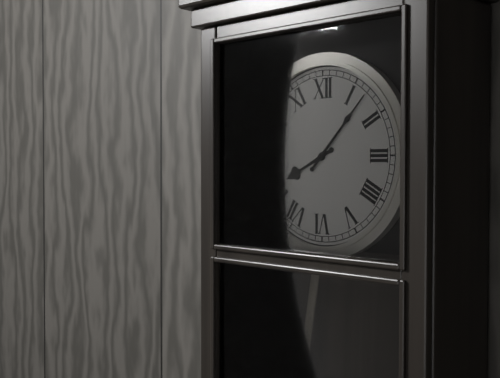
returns {"hour": 8, "minute": 7}
